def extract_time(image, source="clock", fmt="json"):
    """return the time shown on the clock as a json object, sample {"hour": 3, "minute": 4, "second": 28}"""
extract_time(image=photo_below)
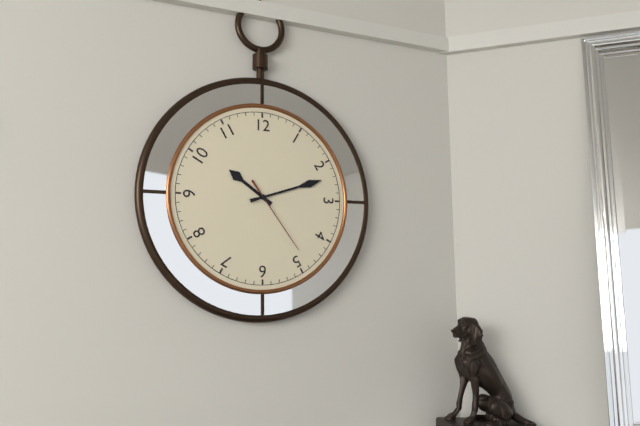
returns {"hour": 10, "minute": 12, "second": 24}
